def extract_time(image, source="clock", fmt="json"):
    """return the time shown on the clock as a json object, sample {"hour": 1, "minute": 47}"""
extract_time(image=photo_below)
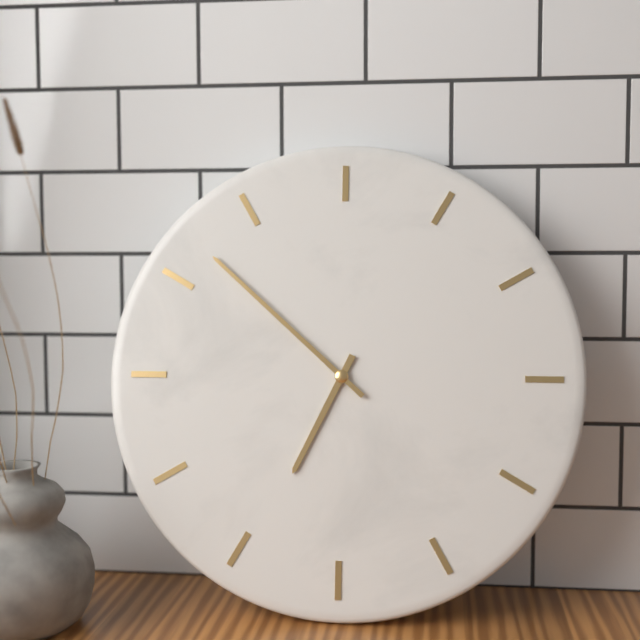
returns {"hour": 6, "minute": 52}
